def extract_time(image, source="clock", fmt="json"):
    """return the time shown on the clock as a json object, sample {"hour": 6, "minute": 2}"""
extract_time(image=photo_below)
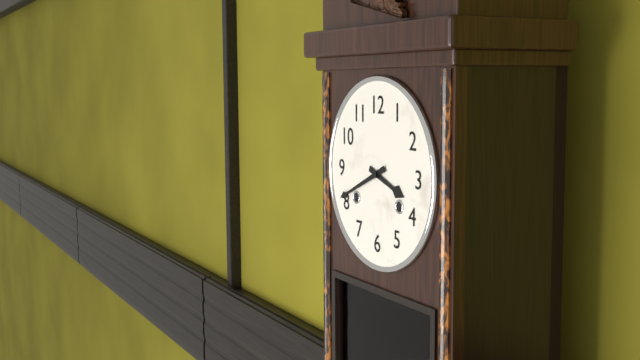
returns {"hour": 3, "minute": 41}
